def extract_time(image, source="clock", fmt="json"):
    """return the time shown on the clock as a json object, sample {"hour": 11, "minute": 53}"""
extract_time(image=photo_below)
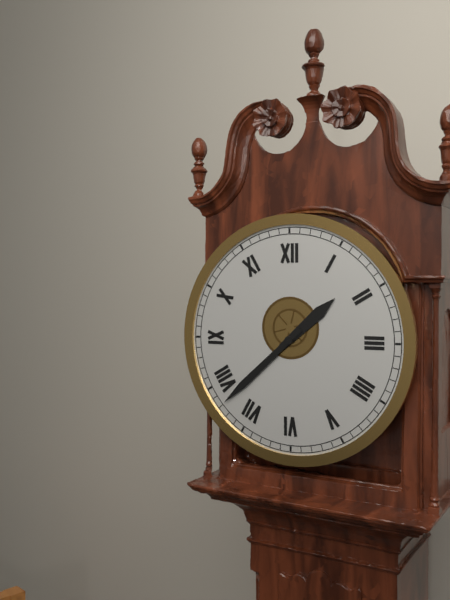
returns {"hour": 1, "minute": 38}
